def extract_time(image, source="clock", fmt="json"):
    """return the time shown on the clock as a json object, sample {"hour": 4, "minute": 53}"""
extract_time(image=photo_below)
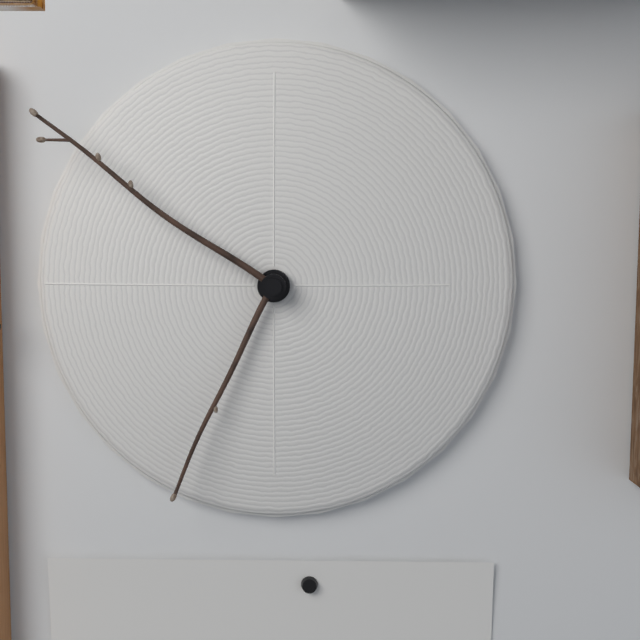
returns {"hour": 6, "minute": 51}
